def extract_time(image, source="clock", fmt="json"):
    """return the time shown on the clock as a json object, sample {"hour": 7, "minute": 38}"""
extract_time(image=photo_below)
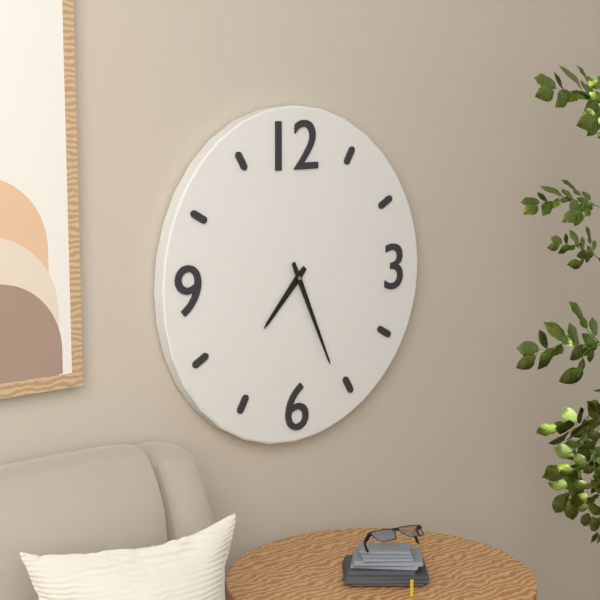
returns {"hour": 7, "minute": 26}
